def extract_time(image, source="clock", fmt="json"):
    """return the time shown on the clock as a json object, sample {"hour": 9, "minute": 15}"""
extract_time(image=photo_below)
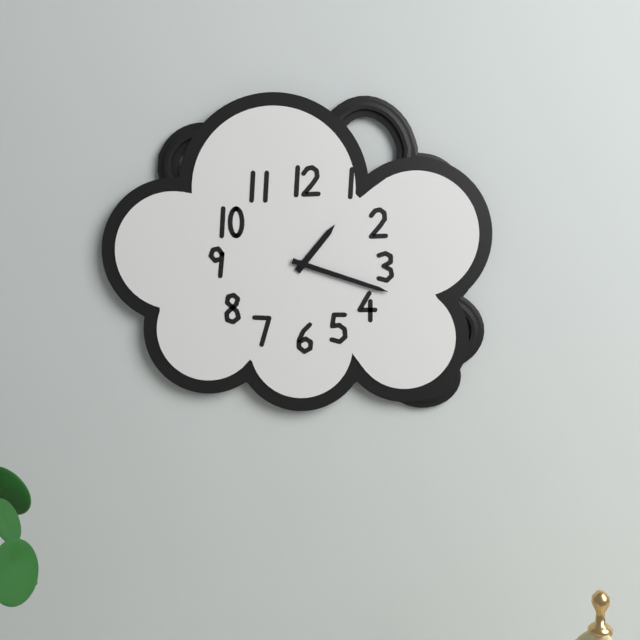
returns {"hour": 1, "minute": 18}
